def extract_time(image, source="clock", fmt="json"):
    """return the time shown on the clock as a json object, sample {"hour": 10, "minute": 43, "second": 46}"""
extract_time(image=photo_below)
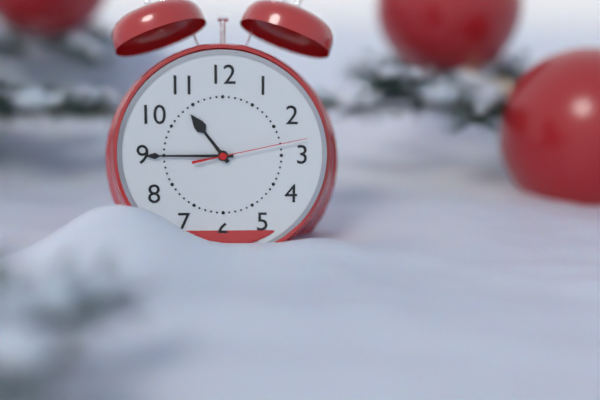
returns {"hour": 10, "minute": 45, "second": 13}
